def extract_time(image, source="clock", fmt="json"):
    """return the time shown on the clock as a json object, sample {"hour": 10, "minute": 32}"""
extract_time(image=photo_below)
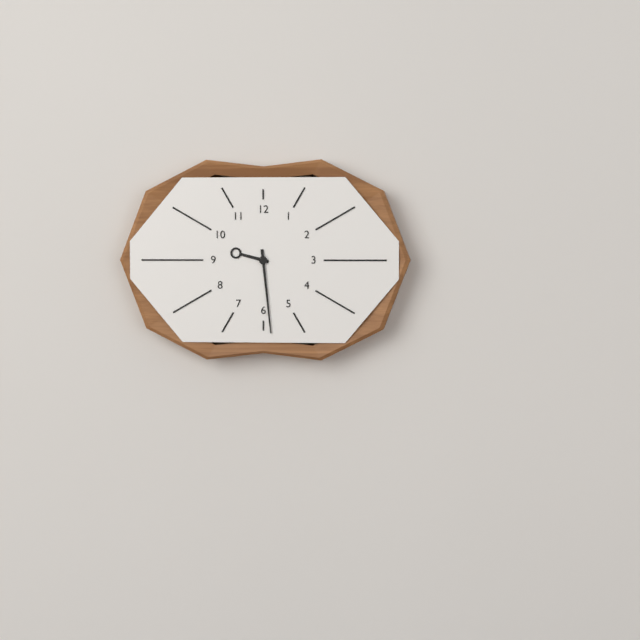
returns {"hour": 9, "minute": 29}
